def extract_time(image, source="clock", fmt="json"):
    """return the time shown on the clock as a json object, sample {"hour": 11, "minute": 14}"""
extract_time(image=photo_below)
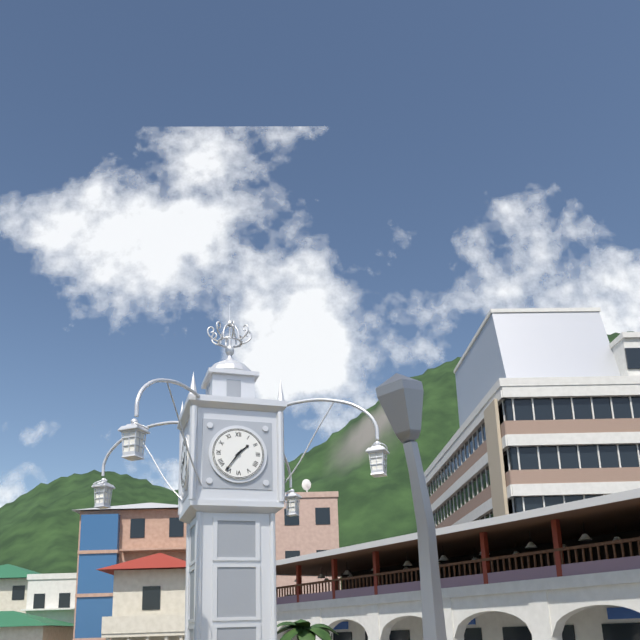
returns {"hour": 1, "minute": 36}
